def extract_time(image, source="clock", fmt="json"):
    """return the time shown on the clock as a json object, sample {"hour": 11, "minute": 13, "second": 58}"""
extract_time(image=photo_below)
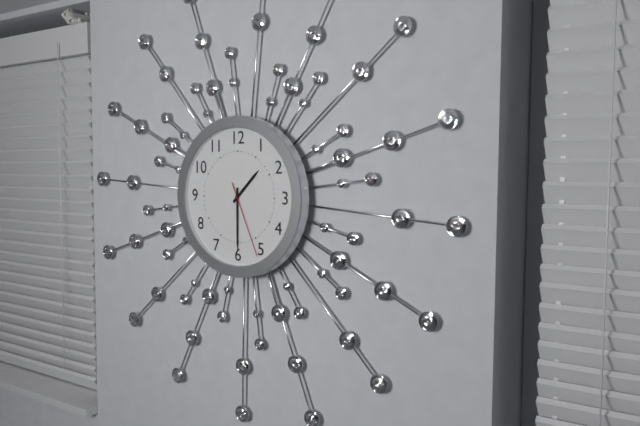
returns {"hour": 1, "minute": 30, "second": 26}
